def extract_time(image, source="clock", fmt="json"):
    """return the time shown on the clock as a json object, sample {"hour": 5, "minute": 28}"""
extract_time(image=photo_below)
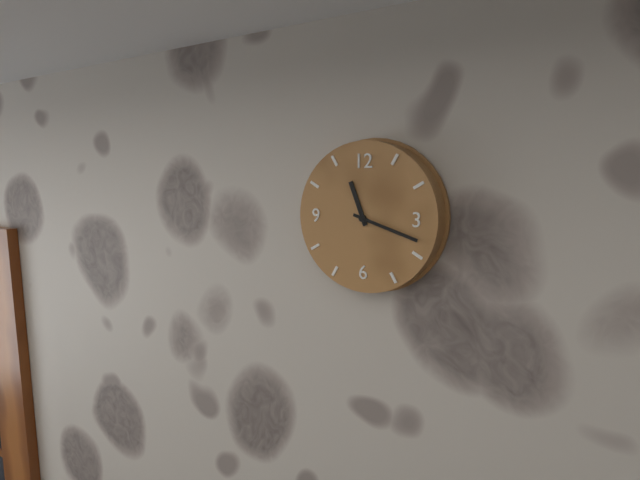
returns {"hour": 11, "minute": 18}
